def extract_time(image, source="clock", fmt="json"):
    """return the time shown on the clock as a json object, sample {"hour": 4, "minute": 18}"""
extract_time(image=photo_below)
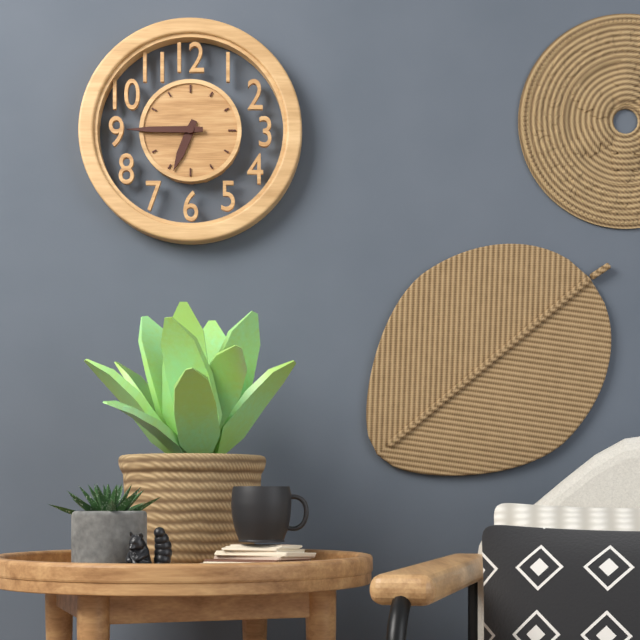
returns {"hour": 6, "minute": 45}
